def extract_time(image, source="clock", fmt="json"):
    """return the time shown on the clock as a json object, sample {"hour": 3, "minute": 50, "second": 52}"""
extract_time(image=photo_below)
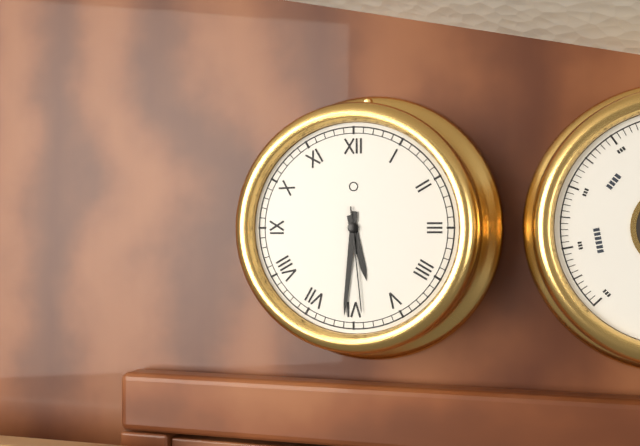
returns {"hour": 5, "minute": 31, "second": 29}
